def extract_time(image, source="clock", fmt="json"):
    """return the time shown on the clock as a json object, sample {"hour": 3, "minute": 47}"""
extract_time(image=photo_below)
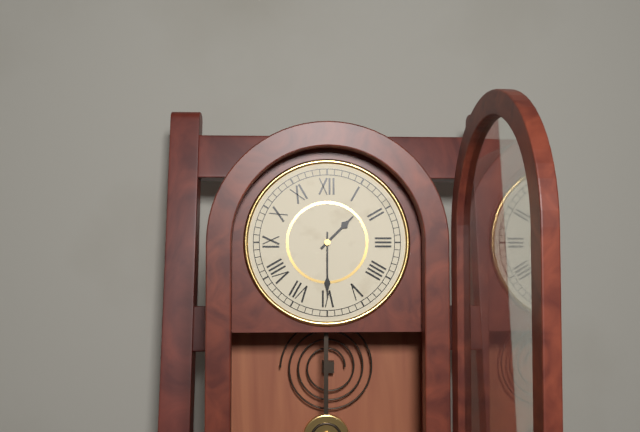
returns {"hour": 1, "minute": 30}
